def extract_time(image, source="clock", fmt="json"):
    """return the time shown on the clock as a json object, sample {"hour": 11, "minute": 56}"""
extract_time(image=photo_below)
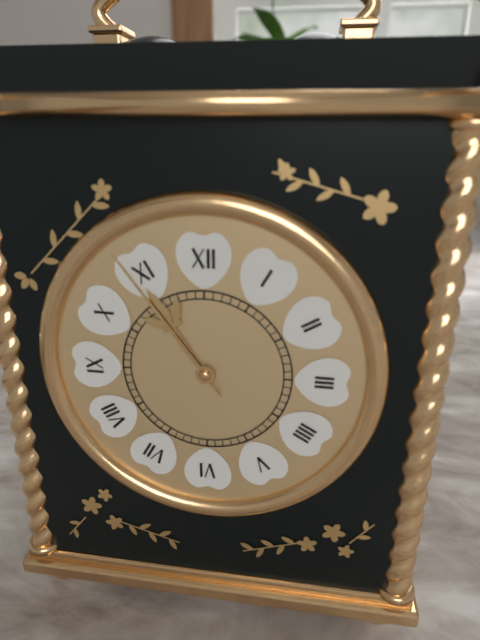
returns {"hour": 10, "minute": 54}
